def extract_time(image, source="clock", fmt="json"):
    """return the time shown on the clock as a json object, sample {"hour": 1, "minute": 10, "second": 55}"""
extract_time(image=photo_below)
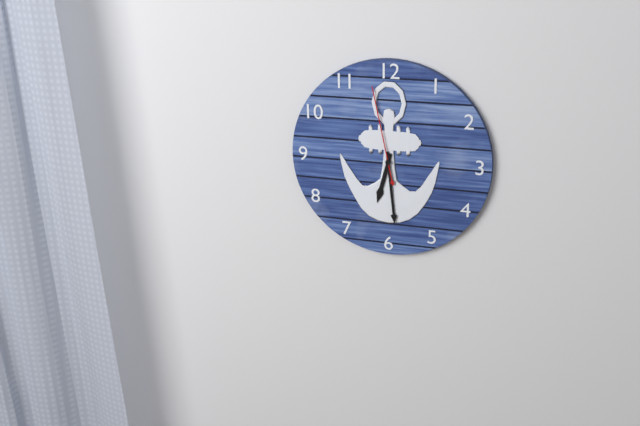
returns {"hour": 6, "minute": 29, "second": 58}
